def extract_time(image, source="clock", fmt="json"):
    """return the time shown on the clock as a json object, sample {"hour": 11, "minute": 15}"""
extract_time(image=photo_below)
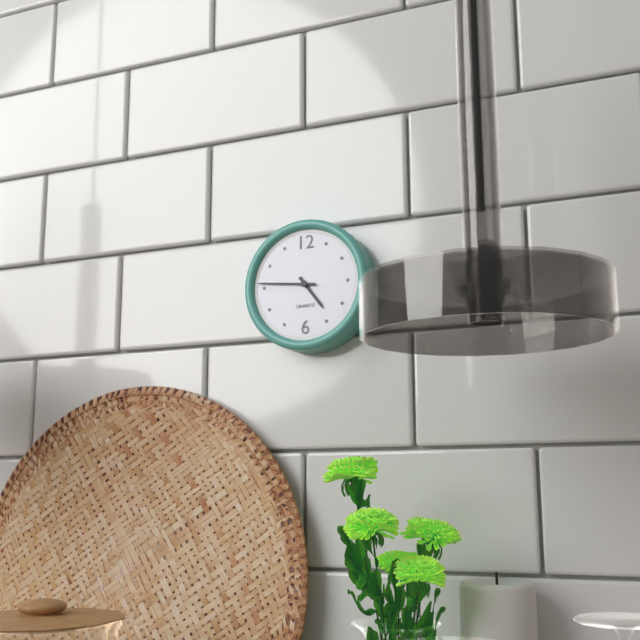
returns {"hour": 4, "minute": 46}
